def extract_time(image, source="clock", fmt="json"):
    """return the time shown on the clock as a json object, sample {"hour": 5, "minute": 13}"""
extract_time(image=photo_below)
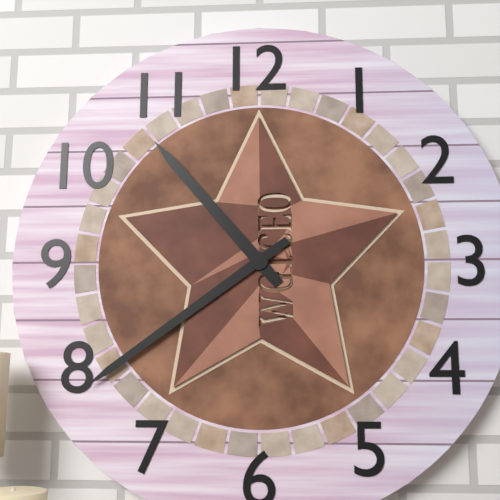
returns {"hour": 10, "minute": 39}
